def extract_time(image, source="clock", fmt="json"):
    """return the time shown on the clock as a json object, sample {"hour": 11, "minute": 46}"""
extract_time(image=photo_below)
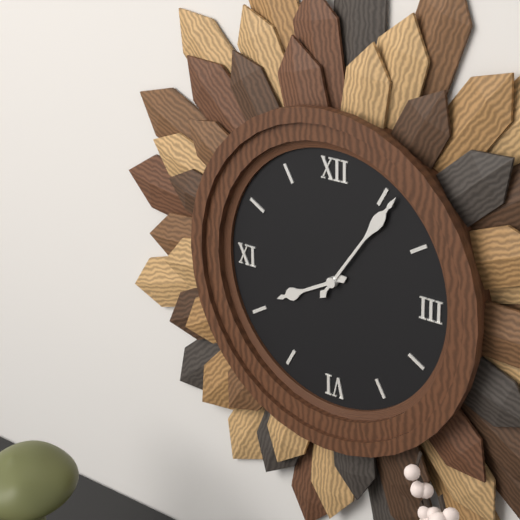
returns {"hour": 8, "minute": 6}
